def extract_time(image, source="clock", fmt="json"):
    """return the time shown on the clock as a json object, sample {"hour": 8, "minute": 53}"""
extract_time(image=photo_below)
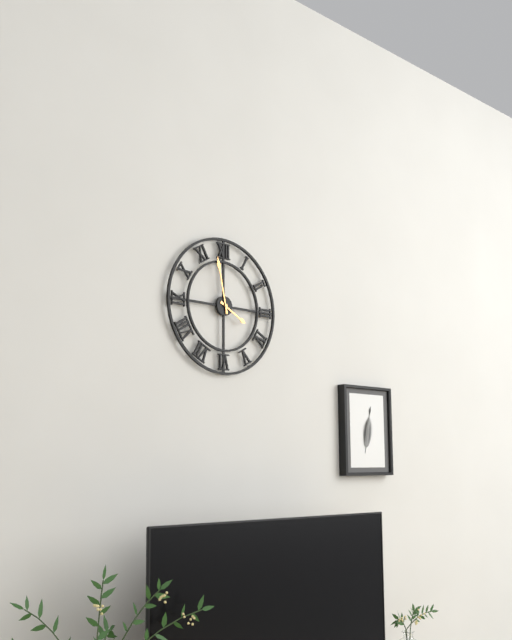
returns {"hour": 3, "minute": 58}
